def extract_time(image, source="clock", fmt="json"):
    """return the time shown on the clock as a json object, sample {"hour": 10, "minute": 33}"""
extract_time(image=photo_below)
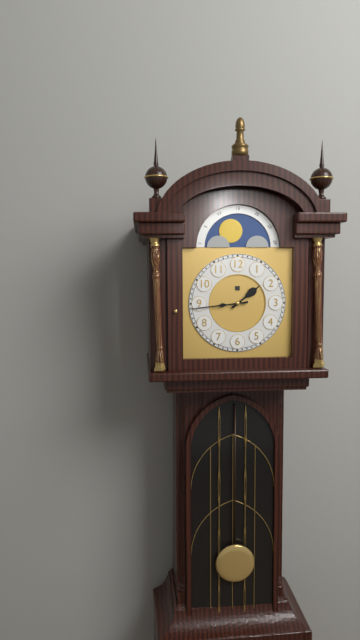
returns {"hour": 1, "minute": 44}
